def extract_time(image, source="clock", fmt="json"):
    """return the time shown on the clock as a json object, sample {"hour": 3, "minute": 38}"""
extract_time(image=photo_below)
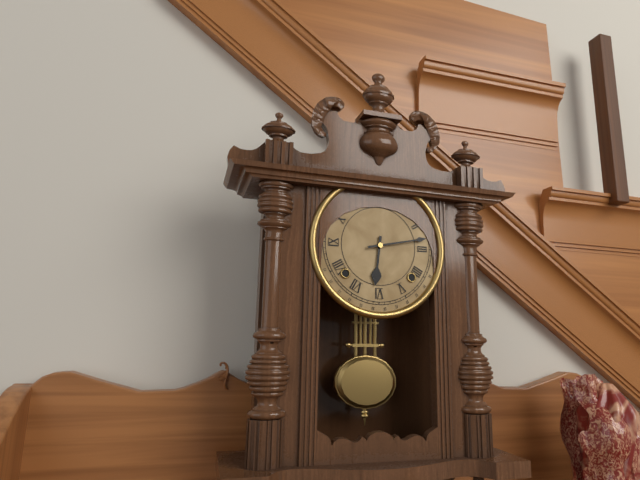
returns {"hour": 6, "minute": 13}
